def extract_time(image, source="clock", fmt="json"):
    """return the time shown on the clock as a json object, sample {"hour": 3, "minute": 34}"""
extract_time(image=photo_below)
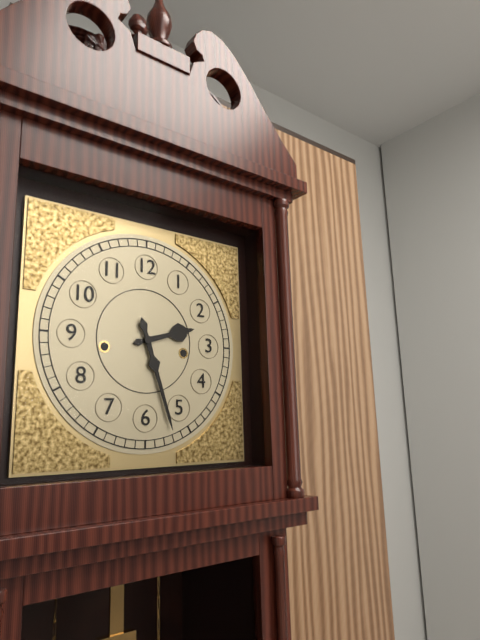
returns {"hour": 2, "minute": 27}
